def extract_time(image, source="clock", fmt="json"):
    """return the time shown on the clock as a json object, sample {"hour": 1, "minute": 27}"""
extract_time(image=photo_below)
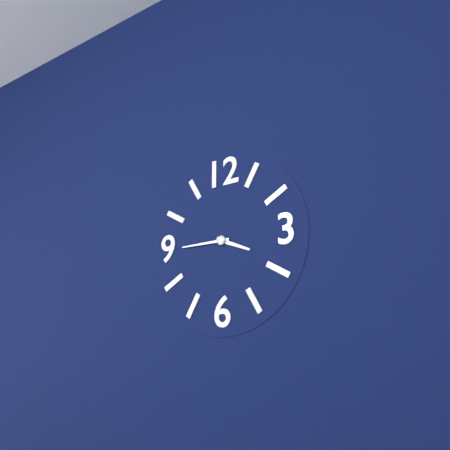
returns {"hour": 3, "minute": 45}
